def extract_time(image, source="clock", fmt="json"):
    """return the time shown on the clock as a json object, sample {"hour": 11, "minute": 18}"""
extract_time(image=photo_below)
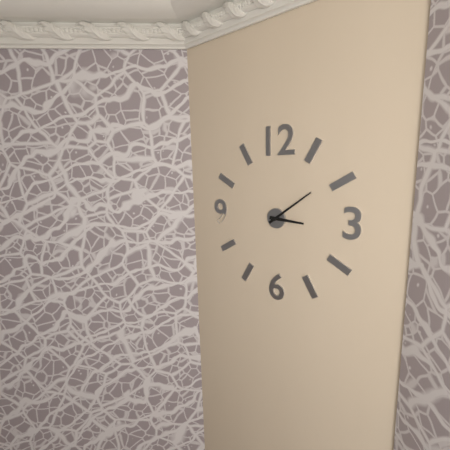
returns {"hour": 3, "minute": 9}
